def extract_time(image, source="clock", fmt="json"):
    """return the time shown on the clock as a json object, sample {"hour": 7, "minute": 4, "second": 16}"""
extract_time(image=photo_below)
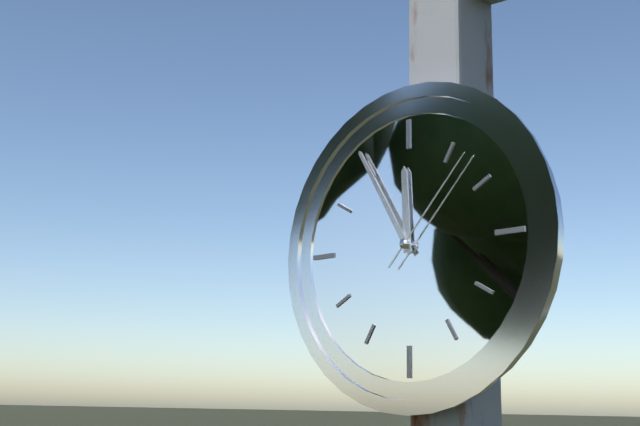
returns {"hour": 11, "minute": 55, "second": 7}
